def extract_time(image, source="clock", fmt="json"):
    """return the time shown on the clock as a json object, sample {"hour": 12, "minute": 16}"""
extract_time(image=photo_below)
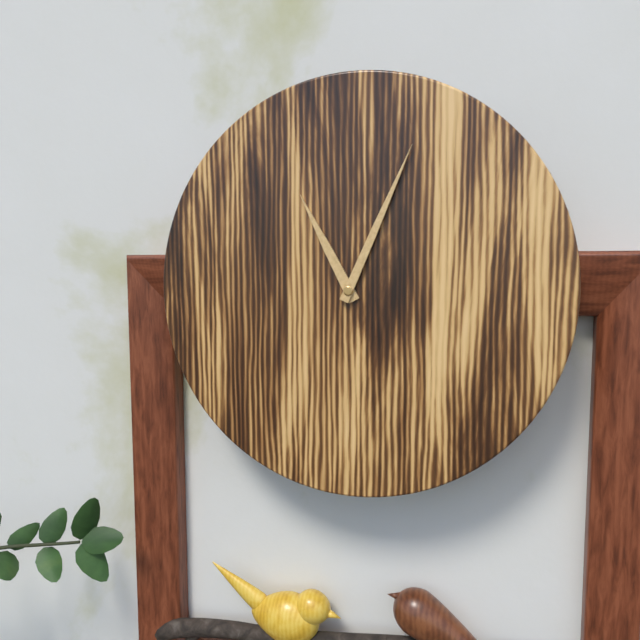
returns {"hour": 11, "minute": 4}
